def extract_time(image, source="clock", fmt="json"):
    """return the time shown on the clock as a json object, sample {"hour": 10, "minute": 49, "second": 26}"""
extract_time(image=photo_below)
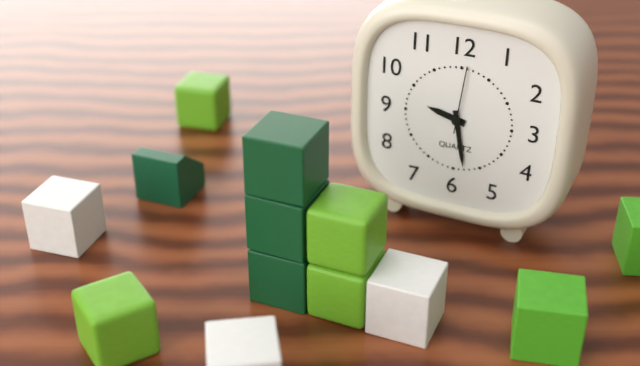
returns {"hour": 9, "minute": 28, "second": 1}
